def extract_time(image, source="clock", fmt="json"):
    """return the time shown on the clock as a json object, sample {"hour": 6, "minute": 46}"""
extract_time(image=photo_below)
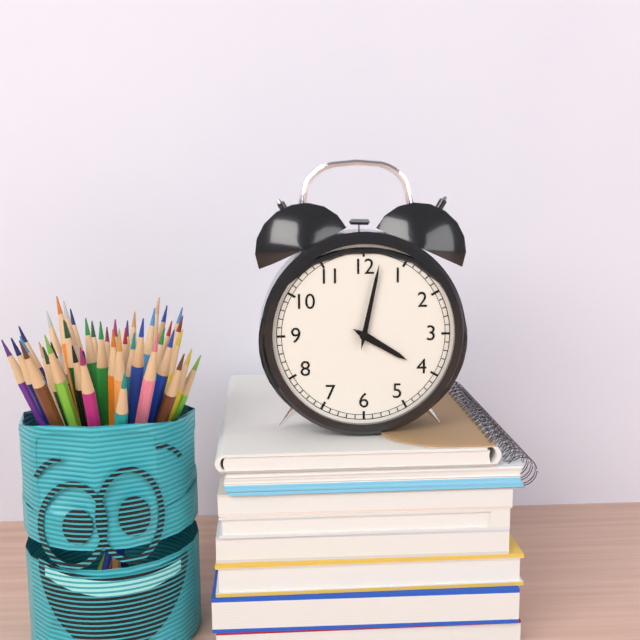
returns {"hour": 4, "minute": 2}
